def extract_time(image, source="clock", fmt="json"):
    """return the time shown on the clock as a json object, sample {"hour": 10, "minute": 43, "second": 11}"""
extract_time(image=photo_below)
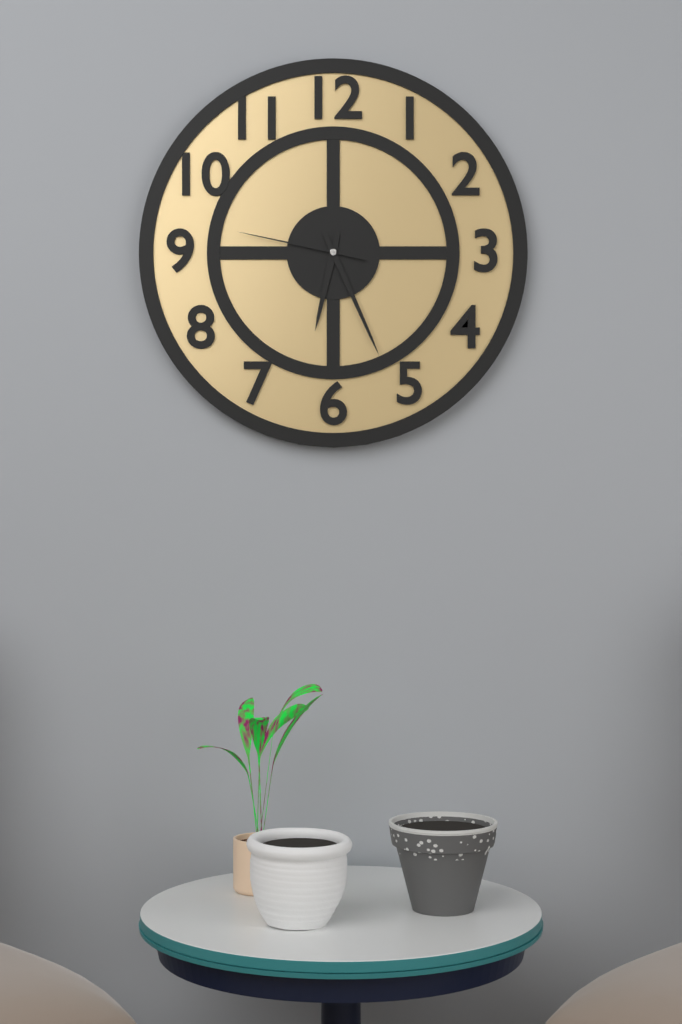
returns {"hour": 6, "minute": 26, "second": 47}
